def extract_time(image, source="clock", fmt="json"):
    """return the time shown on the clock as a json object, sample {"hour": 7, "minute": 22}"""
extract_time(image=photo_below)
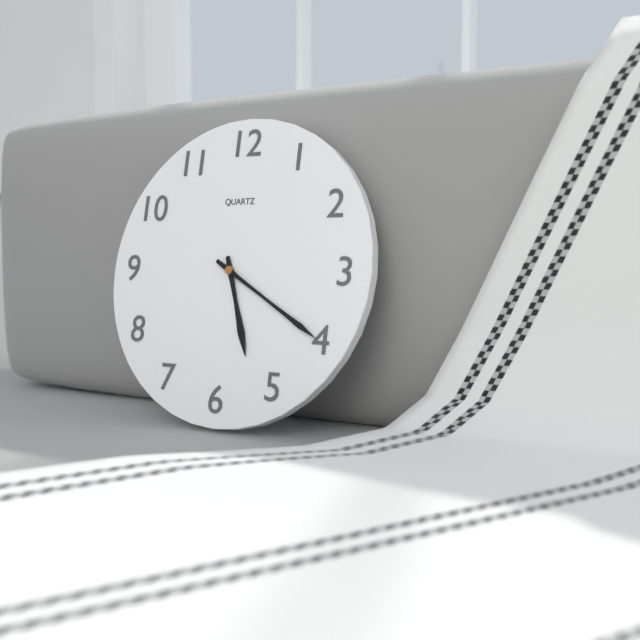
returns {"hour": 5, "minute": 20}
